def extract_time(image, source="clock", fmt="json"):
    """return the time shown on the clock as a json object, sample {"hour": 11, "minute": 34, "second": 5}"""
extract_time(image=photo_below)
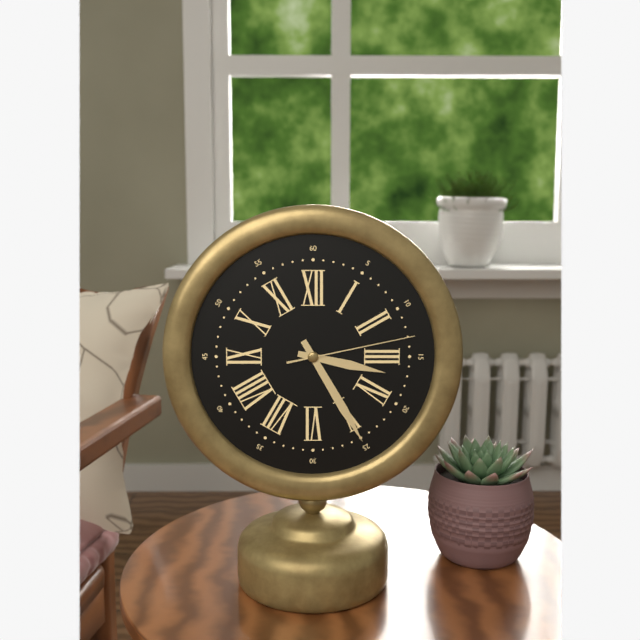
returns {"hour": 3, "minute": 25, "second": 13}
